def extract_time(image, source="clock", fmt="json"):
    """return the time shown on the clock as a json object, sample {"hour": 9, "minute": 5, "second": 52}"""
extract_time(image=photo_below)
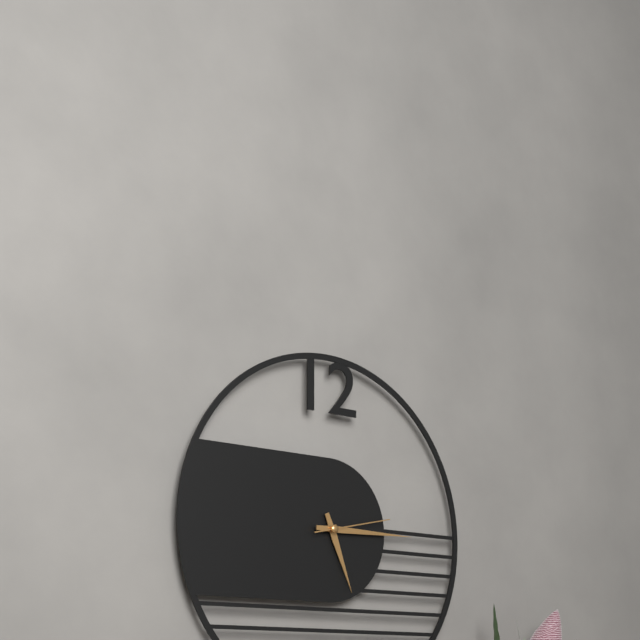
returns {"hour": 5, "minute": 15, "second": 13}
